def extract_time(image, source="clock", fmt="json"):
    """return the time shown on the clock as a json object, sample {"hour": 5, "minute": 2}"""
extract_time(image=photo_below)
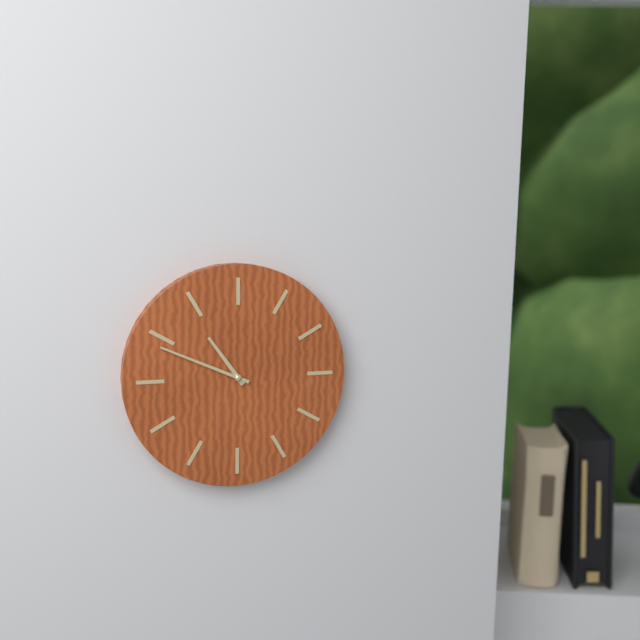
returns {"hour": 10, "minute": 49}
